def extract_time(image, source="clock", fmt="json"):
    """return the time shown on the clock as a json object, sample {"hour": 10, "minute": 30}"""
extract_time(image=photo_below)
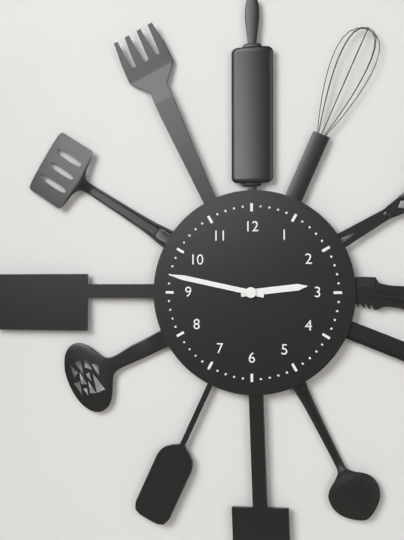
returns {"hour": 2, "minute": 47}
